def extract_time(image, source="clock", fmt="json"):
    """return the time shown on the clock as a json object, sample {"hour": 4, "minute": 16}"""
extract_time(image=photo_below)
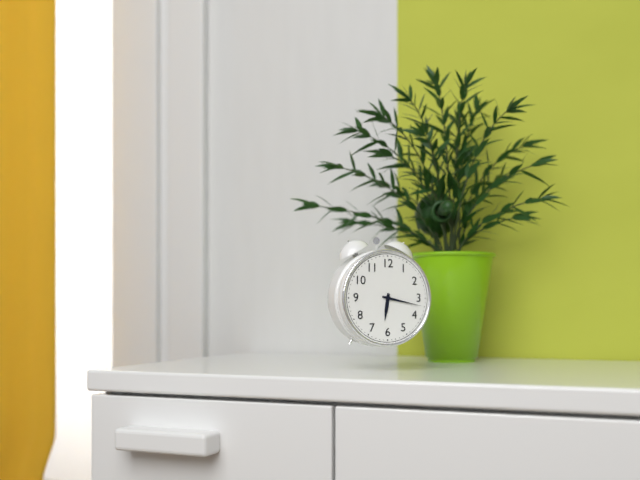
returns {"hour": 6, "minute": 17}
